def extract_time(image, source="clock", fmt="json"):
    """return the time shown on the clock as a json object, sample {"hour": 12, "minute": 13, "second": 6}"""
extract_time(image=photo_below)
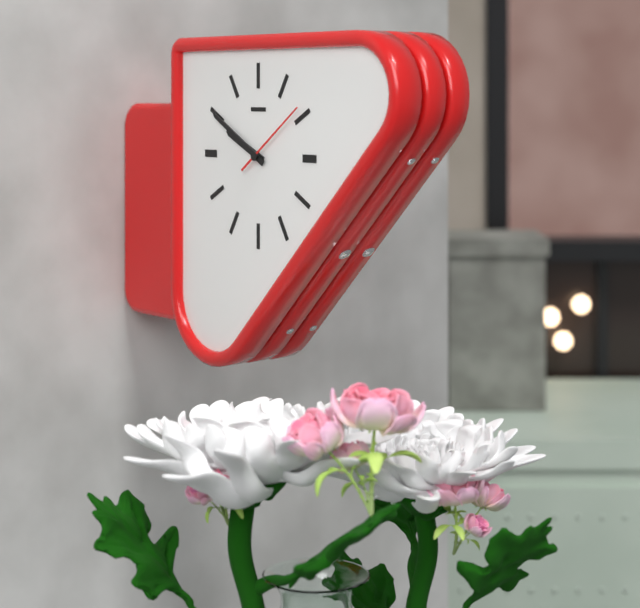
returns {"hour": 9, "minute": 50, "second": 9}
